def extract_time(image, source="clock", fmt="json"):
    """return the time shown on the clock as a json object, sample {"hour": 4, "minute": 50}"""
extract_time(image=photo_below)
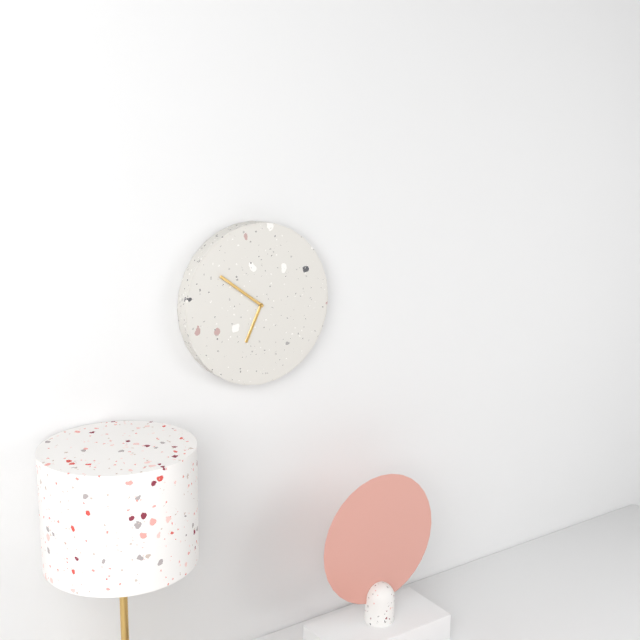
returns {"hour": 6, "minute": 51}
